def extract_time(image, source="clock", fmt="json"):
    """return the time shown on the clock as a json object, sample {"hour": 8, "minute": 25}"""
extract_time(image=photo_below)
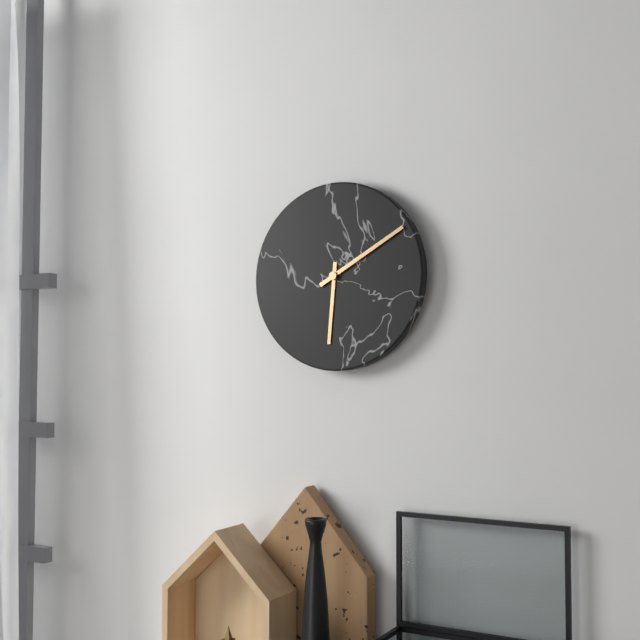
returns {"hour": 6, "minute": 10}
